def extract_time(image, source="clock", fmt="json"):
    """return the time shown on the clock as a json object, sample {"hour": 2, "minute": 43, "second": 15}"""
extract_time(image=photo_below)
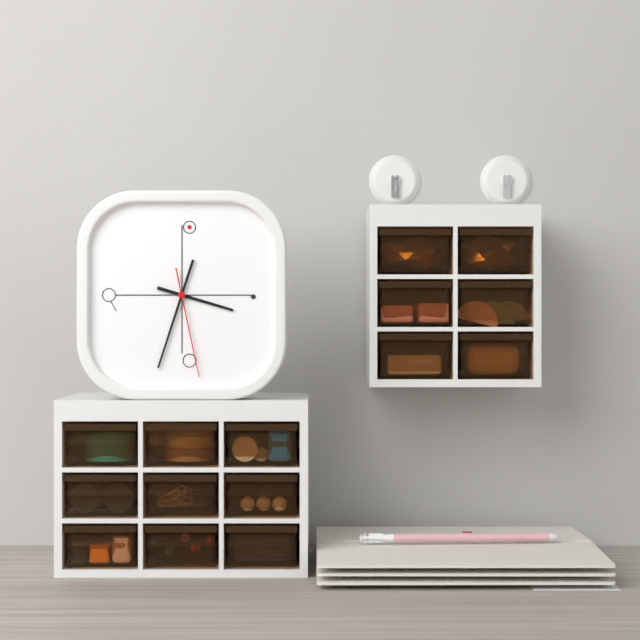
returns {"hour": 3, "minute": 33, "second": 28}
